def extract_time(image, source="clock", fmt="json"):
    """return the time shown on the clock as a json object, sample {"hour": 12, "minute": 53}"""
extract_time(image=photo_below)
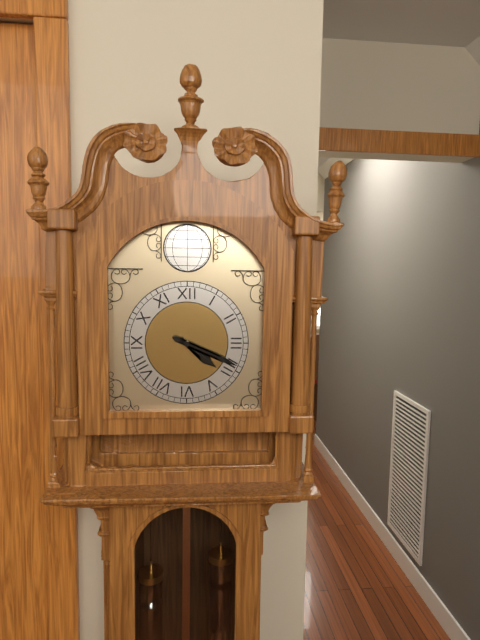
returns {"hour": 4, "minute": 19}
